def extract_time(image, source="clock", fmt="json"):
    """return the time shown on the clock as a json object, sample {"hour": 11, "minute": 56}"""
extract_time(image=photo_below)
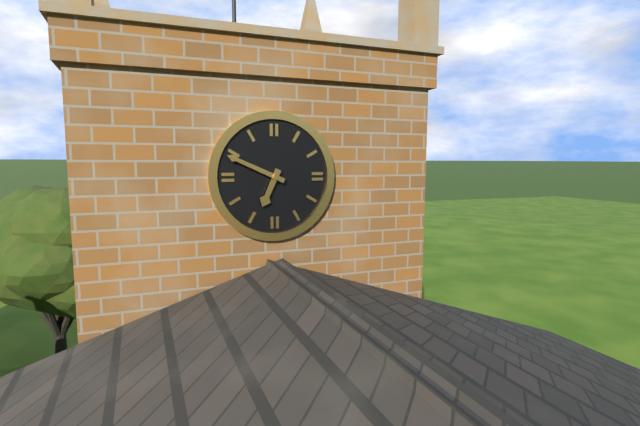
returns {"hour": 6, "minute": 49}
